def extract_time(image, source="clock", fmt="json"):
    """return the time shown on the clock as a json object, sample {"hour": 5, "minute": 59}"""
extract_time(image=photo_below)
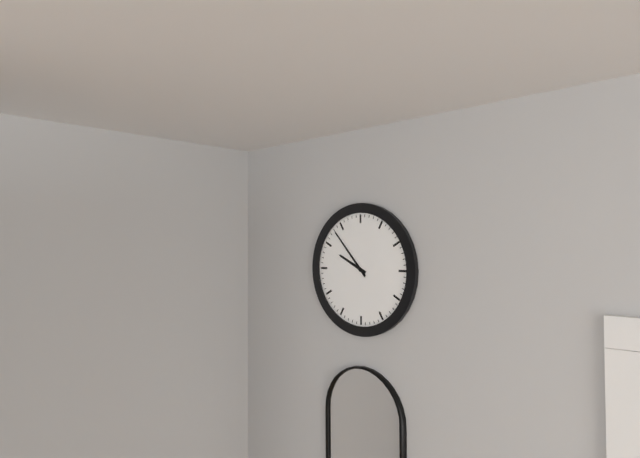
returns {"hour": 9, "minute": 53}
